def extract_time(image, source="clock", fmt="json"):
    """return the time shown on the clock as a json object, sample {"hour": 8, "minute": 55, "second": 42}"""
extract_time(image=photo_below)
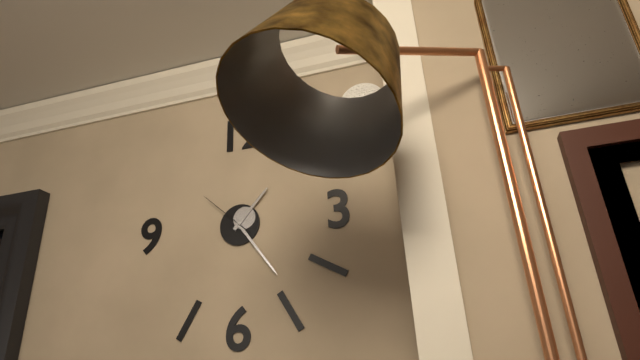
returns {"hour": 1, "minute": 24, "second": 52}
